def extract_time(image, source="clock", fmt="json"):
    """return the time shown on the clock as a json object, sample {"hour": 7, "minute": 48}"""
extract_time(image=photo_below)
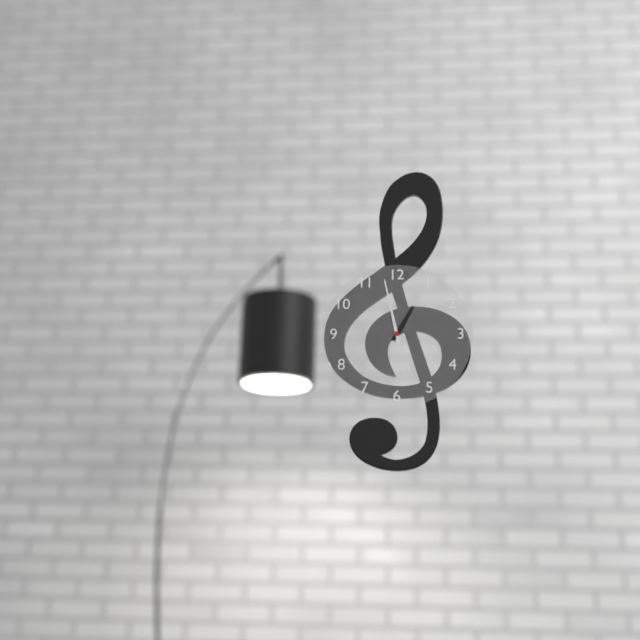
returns {"hour": 12, "minute": 58}
